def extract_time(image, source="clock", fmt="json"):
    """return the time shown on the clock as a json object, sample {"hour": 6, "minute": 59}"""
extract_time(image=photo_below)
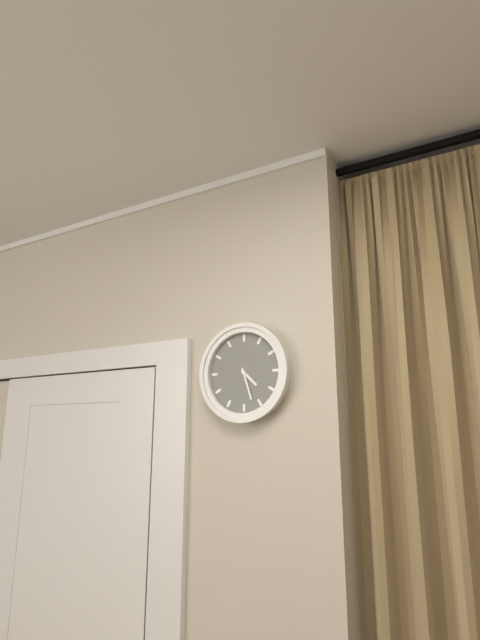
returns {"hour": 4, "minute": 27}
